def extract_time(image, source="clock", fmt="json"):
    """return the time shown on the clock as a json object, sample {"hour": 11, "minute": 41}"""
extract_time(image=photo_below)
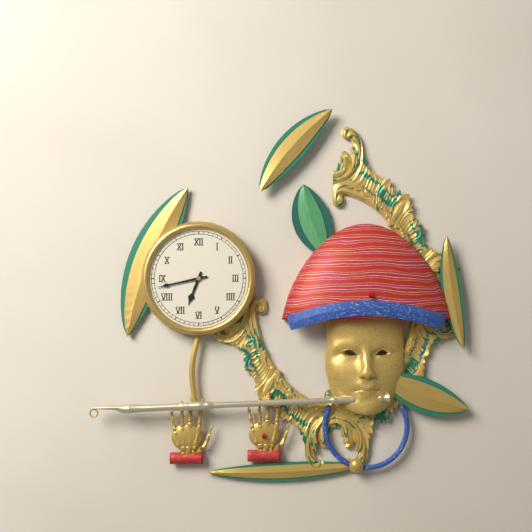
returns {"hour": 6, "minute": 43}
